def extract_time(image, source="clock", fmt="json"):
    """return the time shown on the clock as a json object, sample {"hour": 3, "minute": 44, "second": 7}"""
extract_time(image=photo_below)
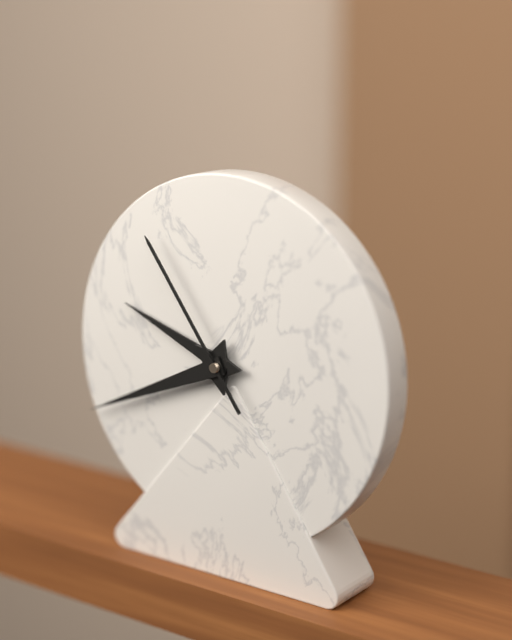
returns {"hour": 9, "minute": 41, "second": 54}
